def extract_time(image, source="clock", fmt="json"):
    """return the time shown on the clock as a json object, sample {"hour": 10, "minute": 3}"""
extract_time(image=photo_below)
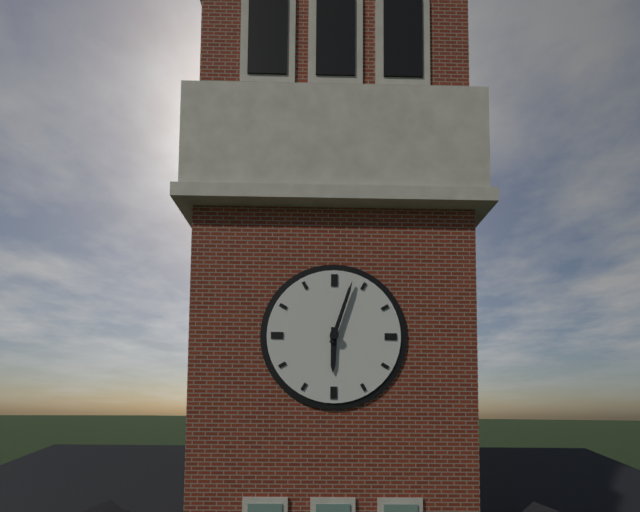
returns {"hour": 6, "minute": 3}
